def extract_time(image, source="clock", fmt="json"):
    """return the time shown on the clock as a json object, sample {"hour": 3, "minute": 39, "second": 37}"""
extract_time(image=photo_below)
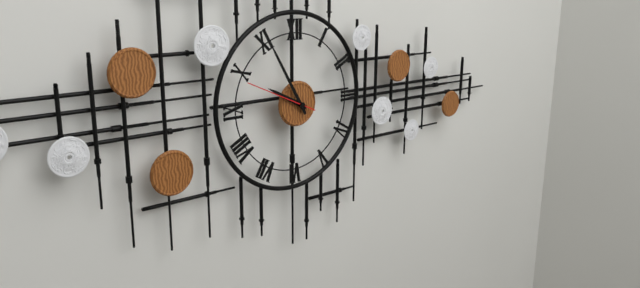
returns {"hour": 9, "minute": 55, "second": 49}
